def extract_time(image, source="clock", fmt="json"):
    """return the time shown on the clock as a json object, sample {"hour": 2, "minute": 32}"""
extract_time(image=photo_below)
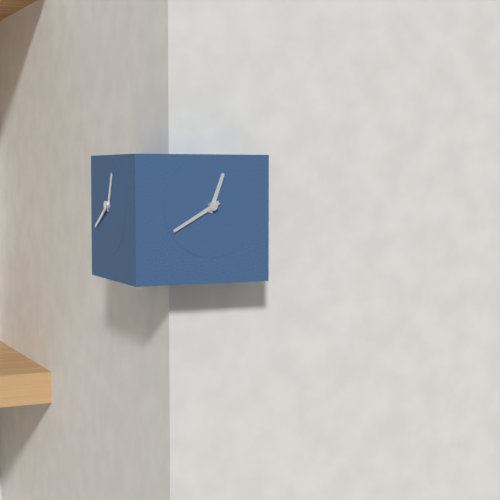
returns {"hour": 12, "minute": 40}
